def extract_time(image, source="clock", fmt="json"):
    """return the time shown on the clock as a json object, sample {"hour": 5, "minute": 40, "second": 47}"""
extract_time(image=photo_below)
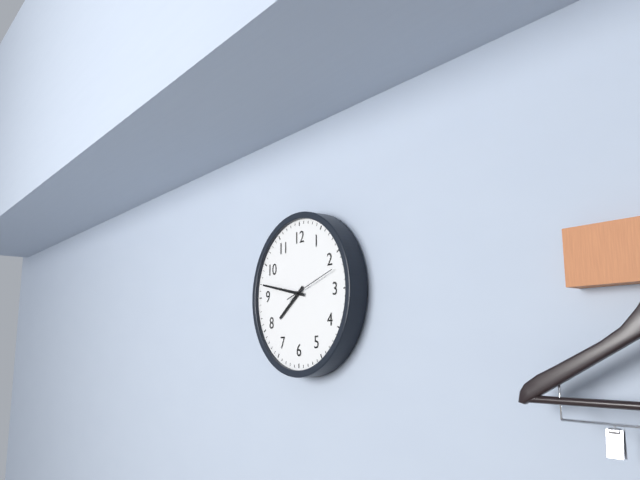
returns {"hour": 7, "minute": 47, "second": 12}
